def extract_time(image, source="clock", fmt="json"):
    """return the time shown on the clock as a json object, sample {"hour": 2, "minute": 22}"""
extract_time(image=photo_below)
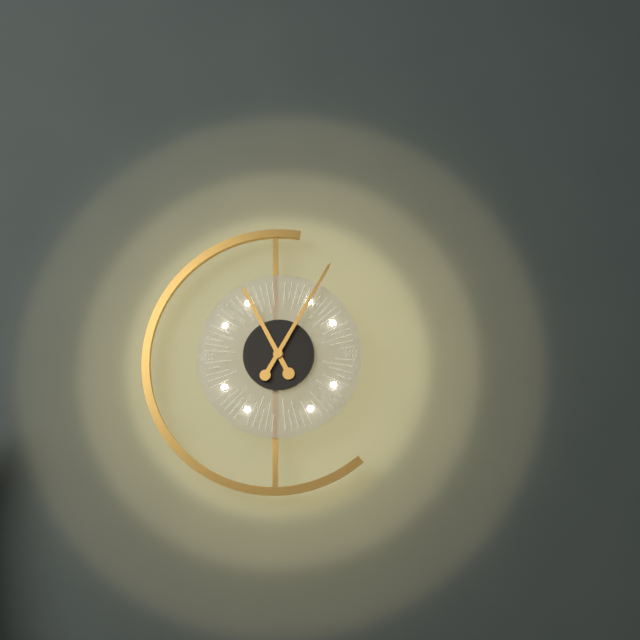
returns {"hour": 11, "minute": 5}
